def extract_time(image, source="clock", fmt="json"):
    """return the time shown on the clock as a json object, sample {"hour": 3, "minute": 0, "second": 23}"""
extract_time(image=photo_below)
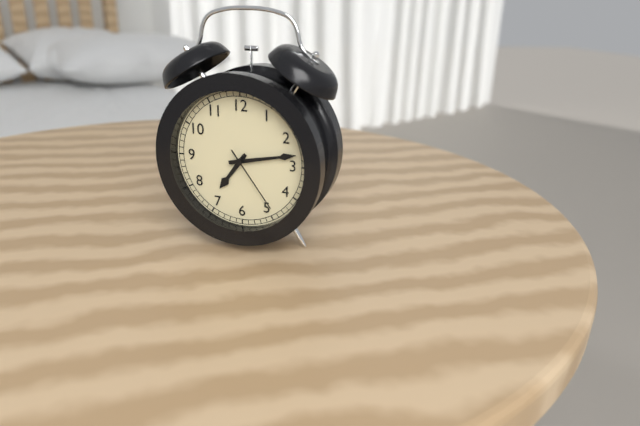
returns {"hour": 7, "minute": 13, "second": 24}
